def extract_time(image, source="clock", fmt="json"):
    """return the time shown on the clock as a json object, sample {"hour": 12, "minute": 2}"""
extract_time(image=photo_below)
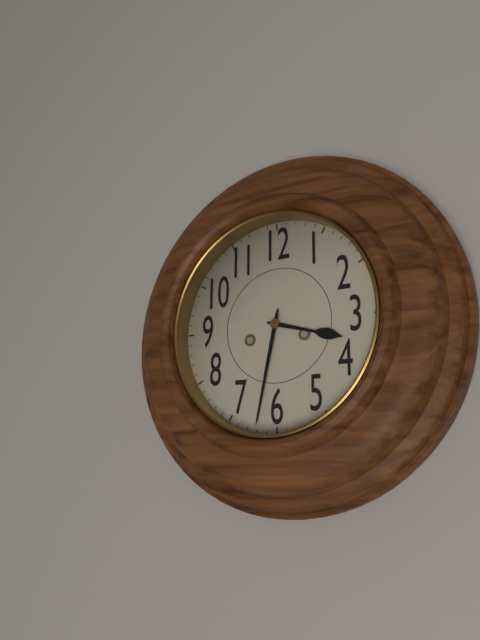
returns {"hour": 3, "minute": 32}
